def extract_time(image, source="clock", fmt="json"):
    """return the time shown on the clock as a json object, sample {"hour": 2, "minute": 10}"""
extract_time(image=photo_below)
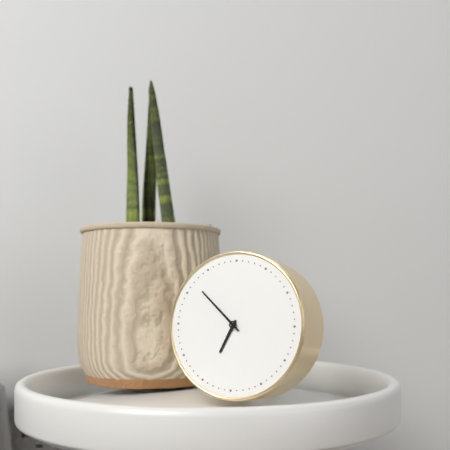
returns {"hour": 6, "minute": 52}
